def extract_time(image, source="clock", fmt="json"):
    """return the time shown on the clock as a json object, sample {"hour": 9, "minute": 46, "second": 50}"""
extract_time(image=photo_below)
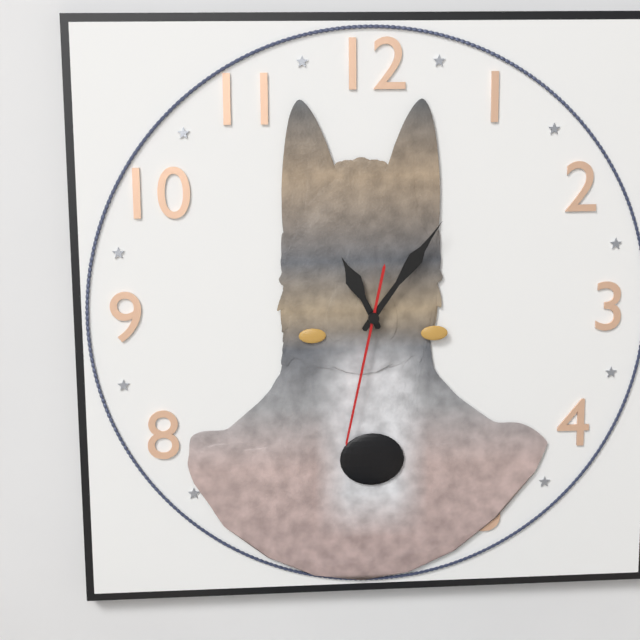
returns {"hour": 11, "minute": 6, "second": 32}
